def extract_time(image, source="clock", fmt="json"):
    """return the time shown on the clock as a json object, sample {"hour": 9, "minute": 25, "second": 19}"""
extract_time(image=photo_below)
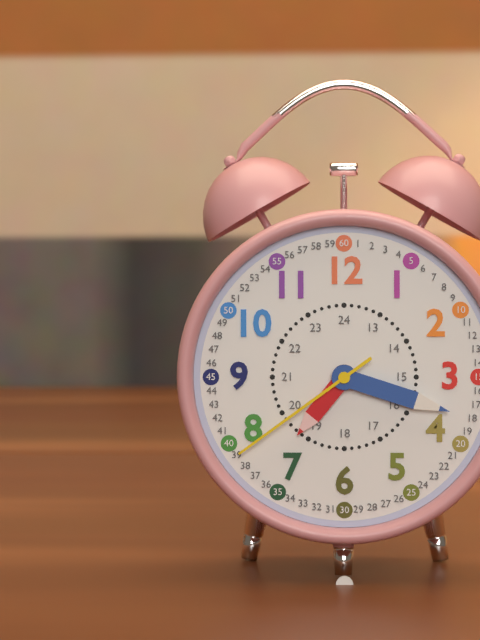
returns {"hour": 7, "minute": 18, "second": 39}
